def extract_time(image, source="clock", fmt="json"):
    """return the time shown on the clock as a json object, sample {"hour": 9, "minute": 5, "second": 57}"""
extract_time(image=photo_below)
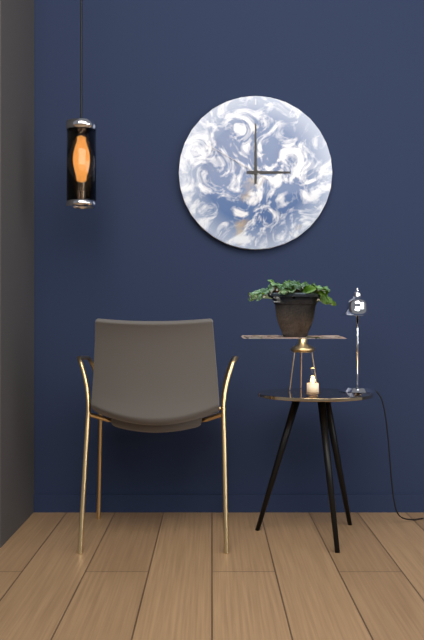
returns {"hour": 3, "minute": 0, "second": 50}
